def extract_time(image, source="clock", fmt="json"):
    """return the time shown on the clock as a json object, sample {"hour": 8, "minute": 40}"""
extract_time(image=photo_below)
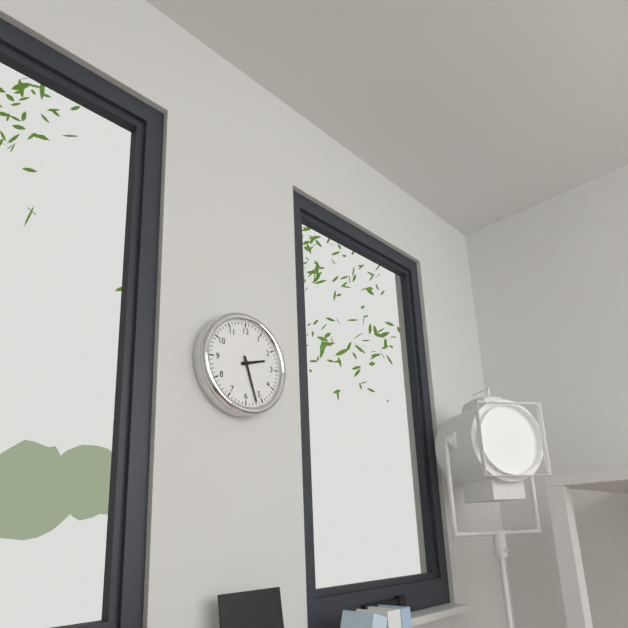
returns {"hour": 2, "minute": 27}
